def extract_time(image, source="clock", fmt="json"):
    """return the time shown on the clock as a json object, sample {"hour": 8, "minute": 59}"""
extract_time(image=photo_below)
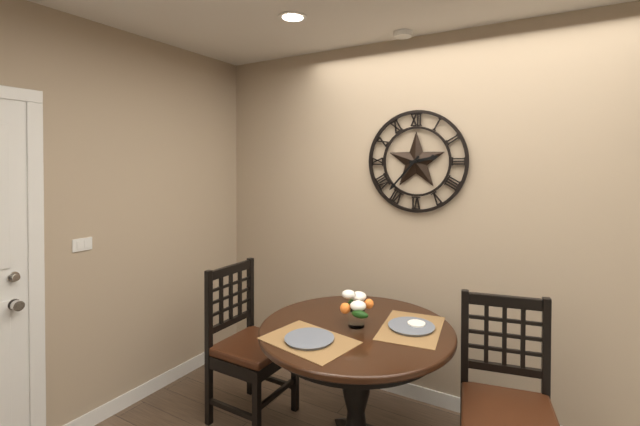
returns {"hour": 2, "minute": 37}
